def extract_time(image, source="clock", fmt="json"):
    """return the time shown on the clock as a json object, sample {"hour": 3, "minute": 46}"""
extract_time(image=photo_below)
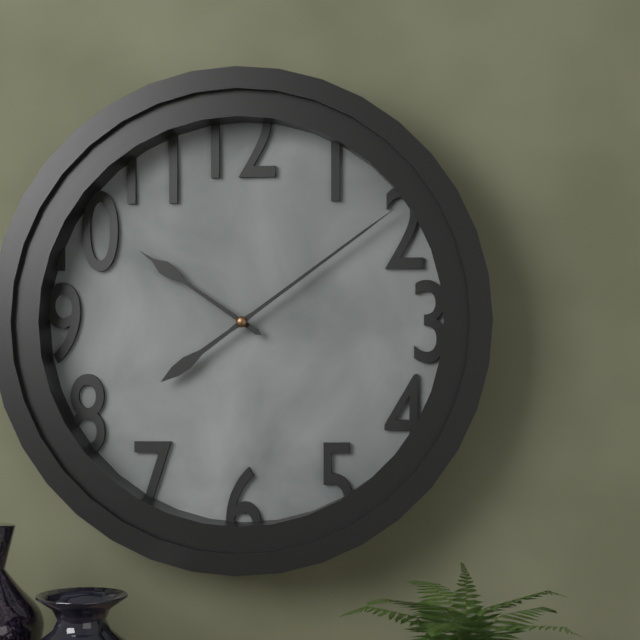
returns {"hour": 10, "minute": 9}
